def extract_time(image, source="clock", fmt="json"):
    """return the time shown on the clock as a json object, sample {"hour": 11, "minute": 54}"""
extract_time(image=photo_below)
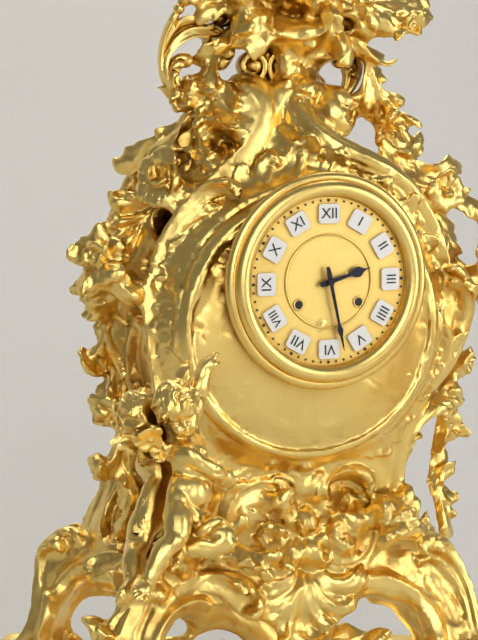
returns {"hour": 2, "minute": 28}
